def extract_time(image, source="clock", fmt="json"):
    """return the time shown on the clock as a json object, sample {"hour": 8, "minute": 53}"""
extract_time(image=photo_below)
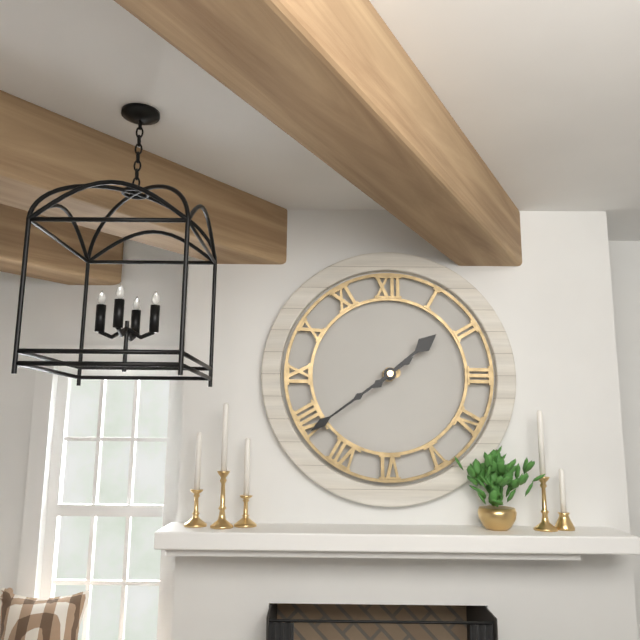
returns {"hour": 1, "minute": 39}
